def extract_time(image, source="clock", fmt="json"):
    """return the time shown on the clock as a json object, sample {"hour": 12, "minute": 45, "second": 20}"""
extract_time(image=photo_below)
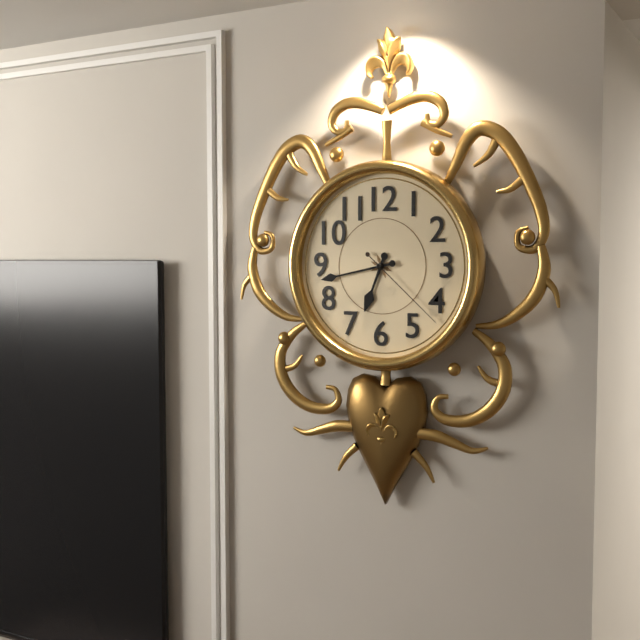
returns {"hour": 6, "minute": 43, "second": 22}
